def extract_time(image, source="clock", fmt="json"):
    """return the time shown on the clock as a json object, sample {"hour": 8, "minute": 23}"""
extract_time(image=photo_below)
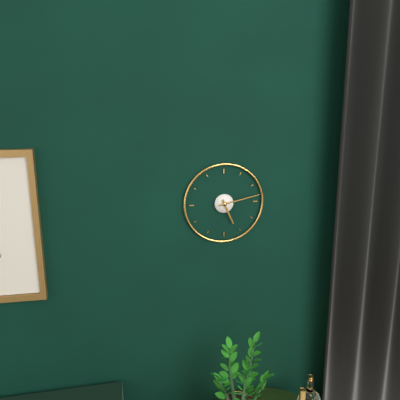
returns {"hour": 5, "minute": 13}
